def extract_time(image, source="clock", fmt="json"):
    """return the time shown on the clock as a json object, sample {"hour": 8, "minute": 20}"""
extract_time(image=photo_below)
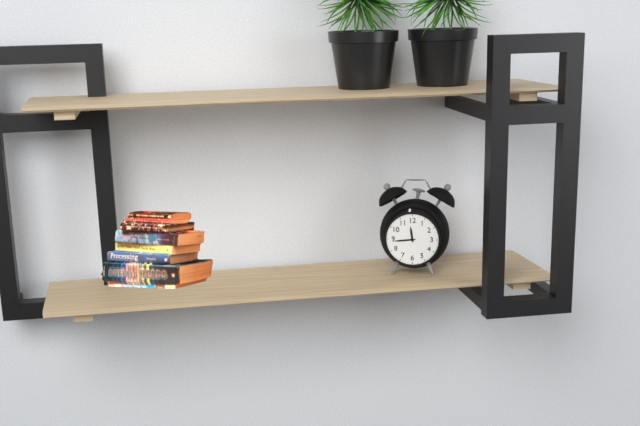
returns {"hour": 11, "minute": 44}
